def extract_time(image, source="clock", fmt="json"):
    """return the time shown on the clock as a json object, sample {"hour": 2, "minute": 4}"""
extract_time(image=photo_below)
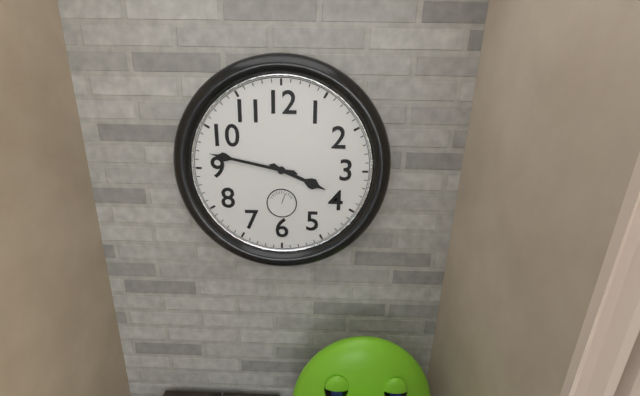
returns {"hour": 3, "minute": 47}
